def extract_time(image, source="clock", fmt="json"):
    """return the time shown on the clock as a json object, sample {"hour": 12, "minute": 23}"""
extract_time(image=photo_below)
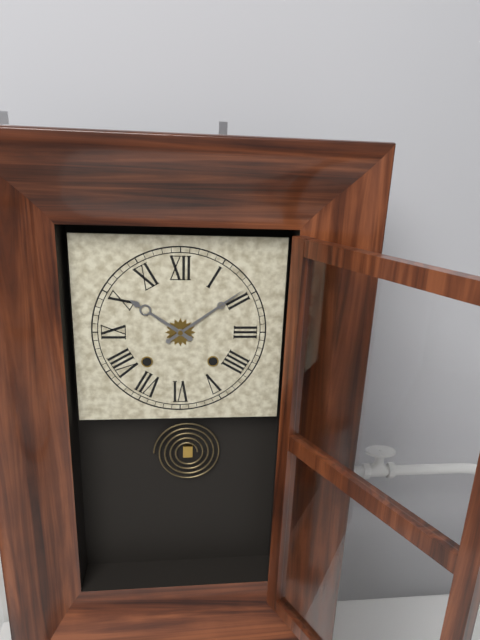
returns {"hour": 10, "minute": 9}
